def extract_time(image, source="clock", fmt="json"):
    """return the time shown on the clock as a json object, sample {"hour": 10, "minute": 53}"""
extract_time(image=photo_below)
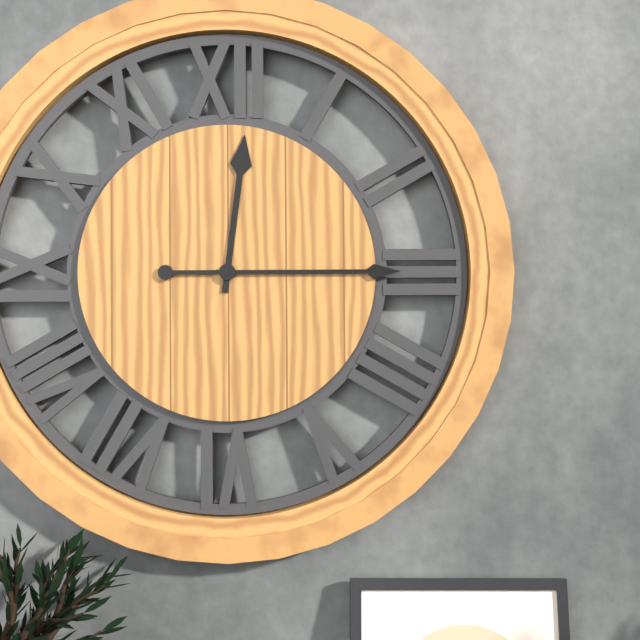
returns {"hour": 12, "minute": 15}
